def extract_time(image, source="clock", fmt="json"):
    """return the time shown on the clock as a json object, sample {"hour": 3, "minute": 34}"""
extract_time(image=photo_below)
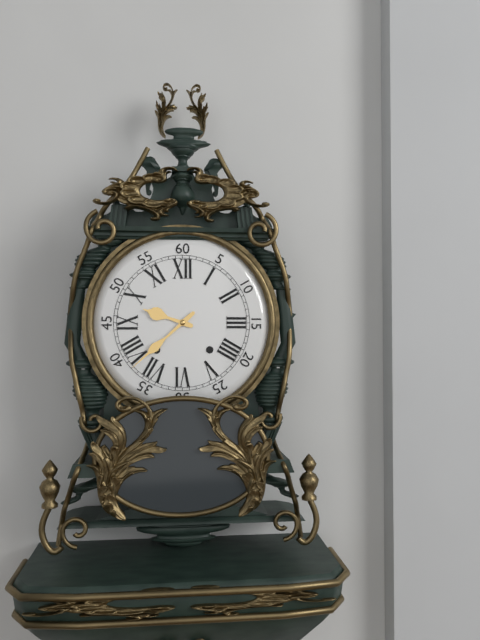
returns {"hour": 9, "minute": 38}
